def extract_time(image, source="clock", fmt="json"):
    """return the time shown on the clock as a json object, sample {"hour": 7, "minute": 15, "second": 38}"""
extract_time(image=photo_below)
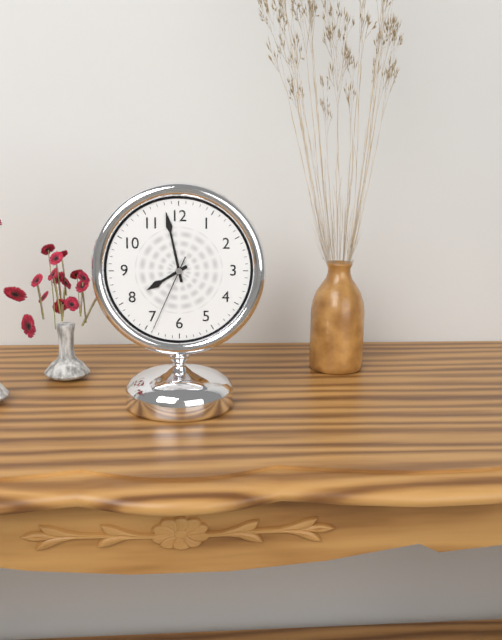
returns {"hour": 7, "minute": 58, "second": 34}
